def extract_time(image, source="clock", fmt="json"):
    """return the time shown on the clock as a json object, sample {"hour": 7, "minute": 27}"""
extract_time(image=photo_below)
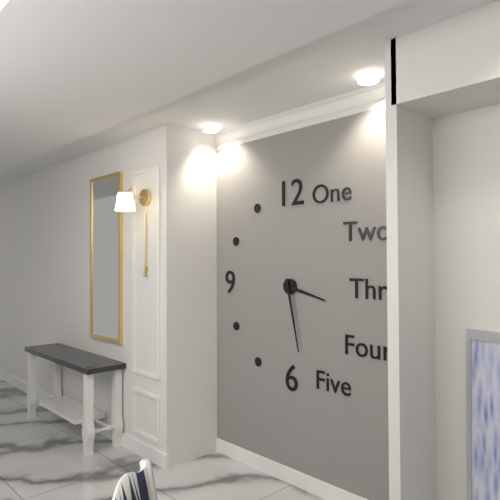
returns {"hour": 3, "minute": 28}
